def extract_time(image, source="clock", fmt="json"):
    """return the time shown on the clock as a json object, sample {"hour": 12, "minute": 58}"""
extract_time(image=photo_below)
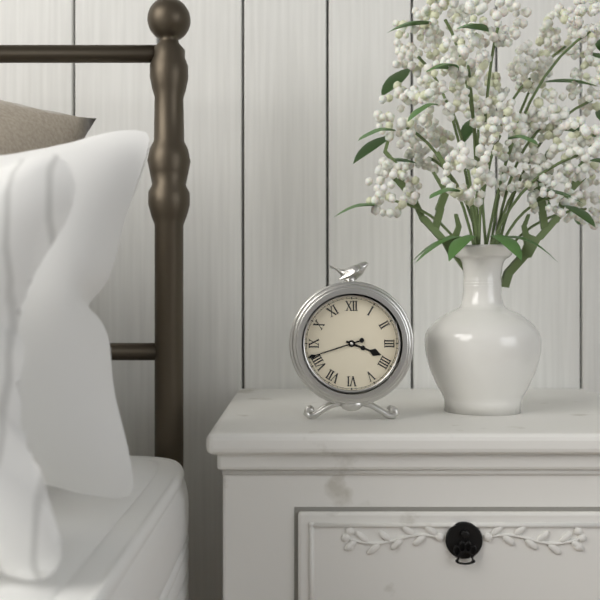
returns {"hour": 3, "minute": 42}
